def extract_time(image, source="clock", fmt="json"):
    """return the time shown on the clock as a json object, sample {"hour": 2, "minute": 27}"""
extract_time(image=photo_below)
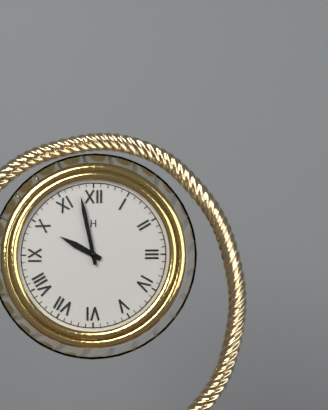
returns {"hour": 9, "minute": 58}
